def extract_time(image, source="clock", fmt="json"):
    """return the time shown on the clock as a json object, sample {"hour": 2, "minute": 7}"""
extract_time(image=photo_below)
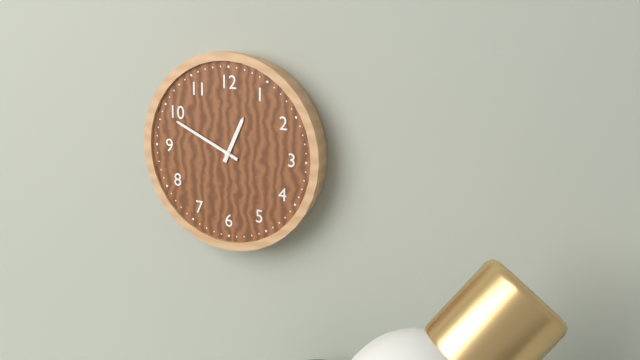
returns {"hour": 12, "minute": 49}
